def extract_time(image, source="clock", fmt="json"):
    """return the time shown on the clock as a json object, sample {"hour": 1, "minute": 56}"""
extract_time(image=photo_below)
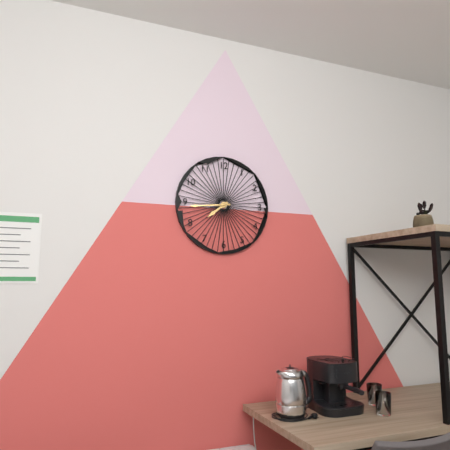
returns {"hour": 7, "minute": 44}
